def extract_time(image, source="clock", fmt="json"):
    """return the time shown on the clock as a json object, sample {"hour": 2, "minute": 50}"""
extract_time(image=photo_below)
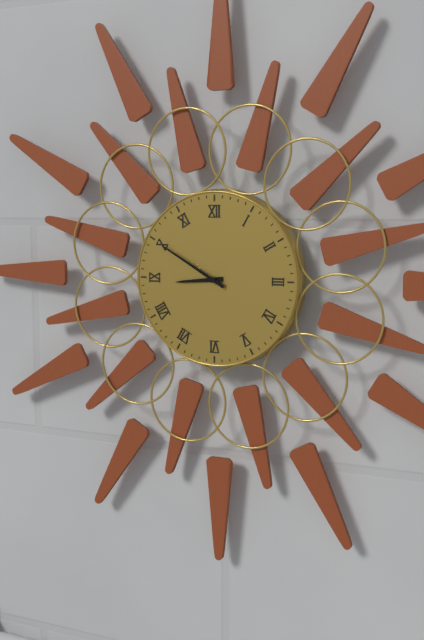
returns {"hour": 8, "minute": 50}
